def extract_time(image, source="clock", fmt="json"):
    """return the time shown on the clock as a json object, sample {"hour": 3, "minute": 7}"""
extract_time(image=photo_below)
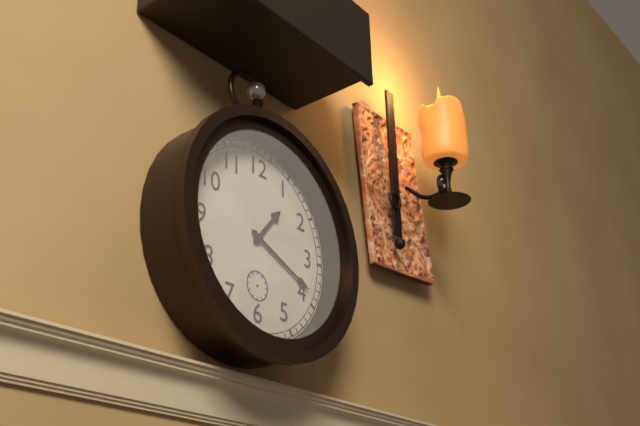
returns {"hour": 1, "minute": 19}
